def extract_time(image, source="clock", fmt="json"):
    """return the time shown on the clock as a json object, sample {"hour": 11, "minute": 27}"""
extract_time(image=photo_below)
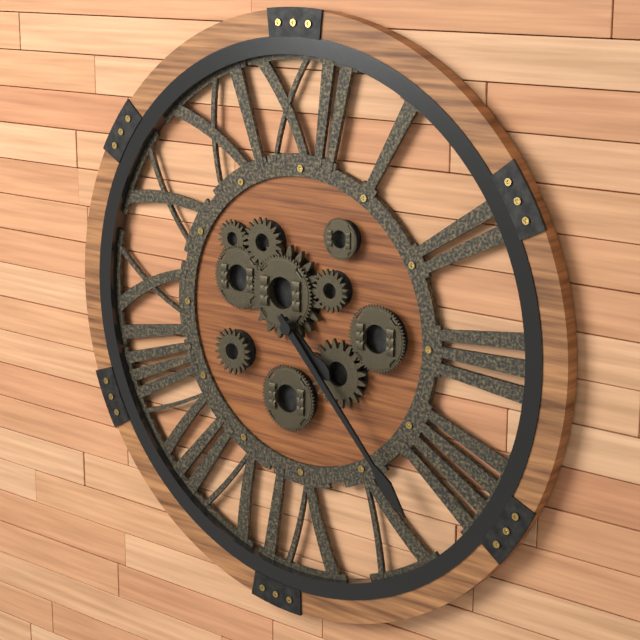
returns {"hour": 4, "minute": 23}
